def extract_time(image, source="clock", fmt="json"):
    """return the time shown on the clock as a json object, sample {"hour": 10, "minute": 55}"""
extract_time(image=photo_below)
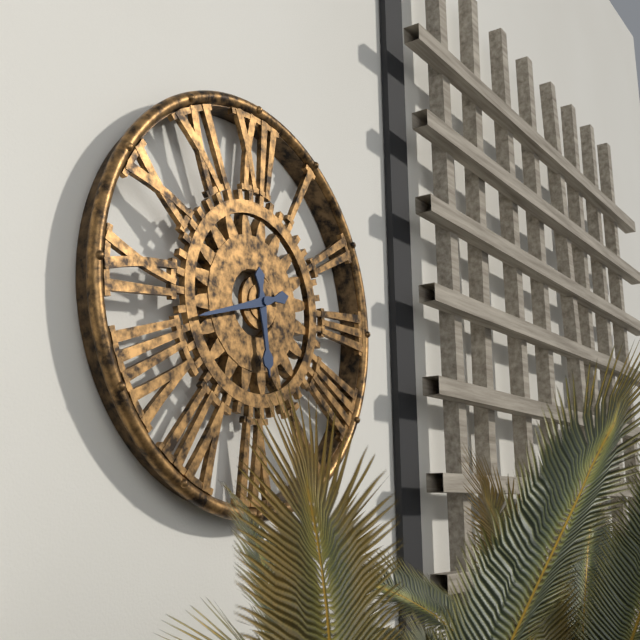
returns {"hour": 5, "minute": 42}
